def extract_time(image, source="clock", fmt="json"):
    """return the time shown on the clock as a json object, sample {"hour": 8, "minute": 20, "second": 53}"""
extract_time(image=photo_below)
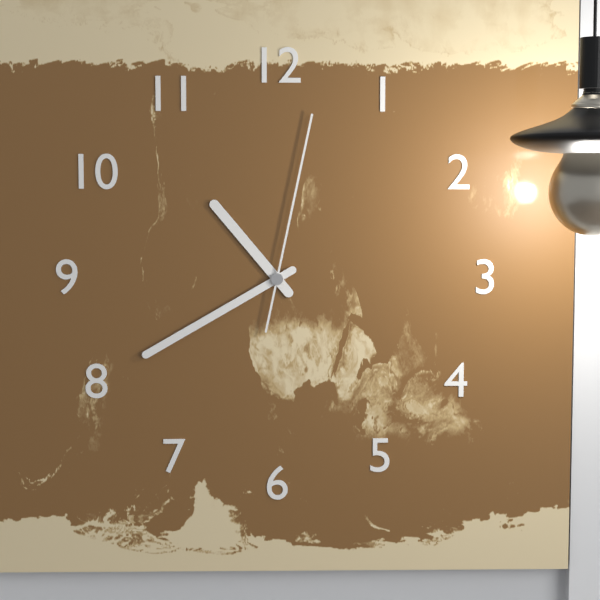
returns {"hour": 10, "minute": 40, "second": 2}
